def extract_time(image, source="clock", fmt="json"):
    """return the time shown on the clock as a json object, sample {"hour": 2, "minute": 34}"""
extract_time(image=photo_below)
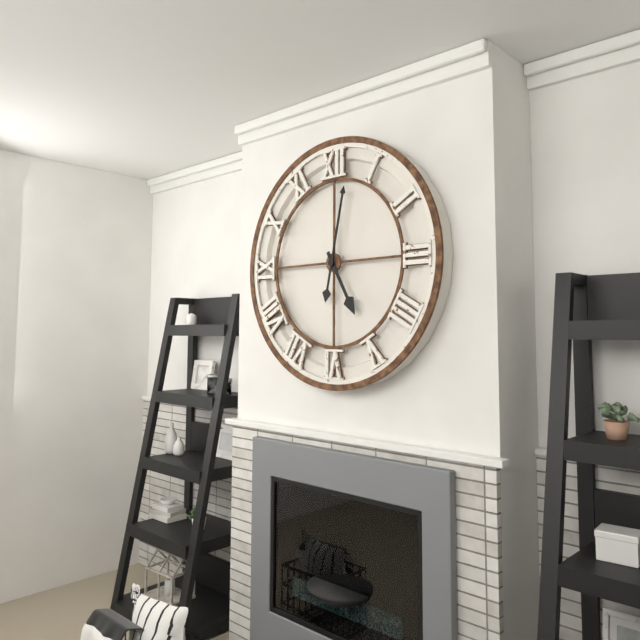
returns {"hour": 5, "minute": 2}
